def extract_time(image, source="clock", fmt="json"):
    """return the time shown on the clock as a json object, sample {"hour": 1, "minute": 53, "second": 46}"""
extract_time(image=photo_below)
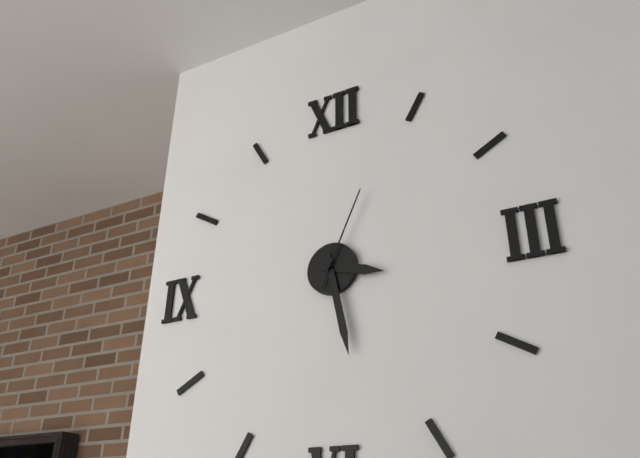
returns {"hour": 3, "minute": 28, "second": 4}
